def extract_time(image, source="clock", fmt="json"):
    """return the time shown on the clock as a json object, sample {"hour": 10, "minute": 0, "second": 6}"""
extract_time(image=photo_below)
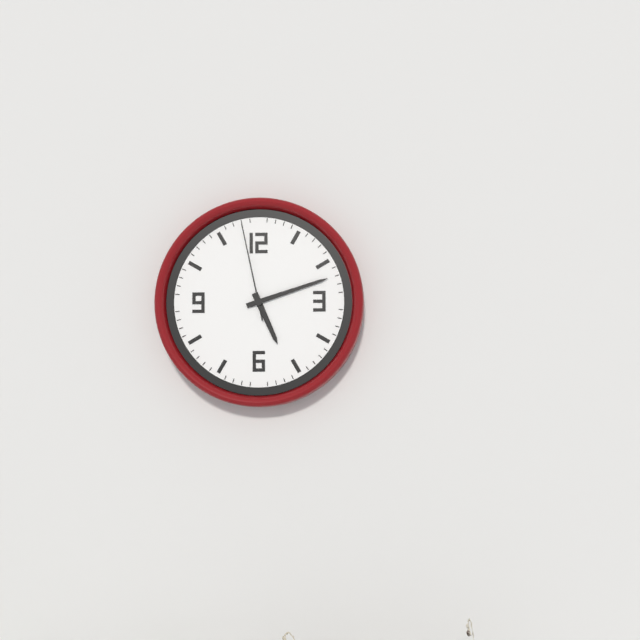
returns {"hour": 5, "minute": 12, "second": 58}
